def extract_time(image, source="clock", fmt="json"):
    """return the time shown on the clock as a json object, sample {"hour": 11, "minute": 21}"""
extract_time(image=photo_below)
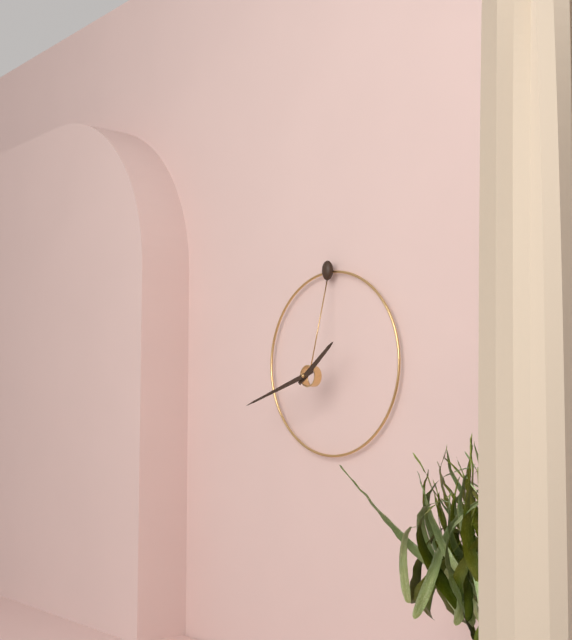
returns {"hour": 1, "minute": 42}
